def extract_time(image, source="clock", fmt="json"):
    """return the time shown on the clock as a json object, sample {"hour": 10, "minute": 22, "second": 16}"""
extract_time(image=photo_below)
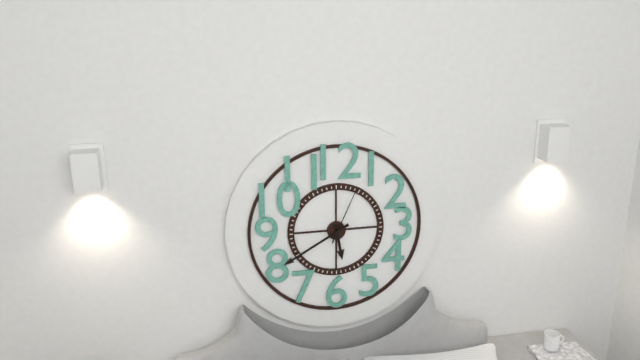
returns {"hour": 5, "minute": 40, "second": 4}
